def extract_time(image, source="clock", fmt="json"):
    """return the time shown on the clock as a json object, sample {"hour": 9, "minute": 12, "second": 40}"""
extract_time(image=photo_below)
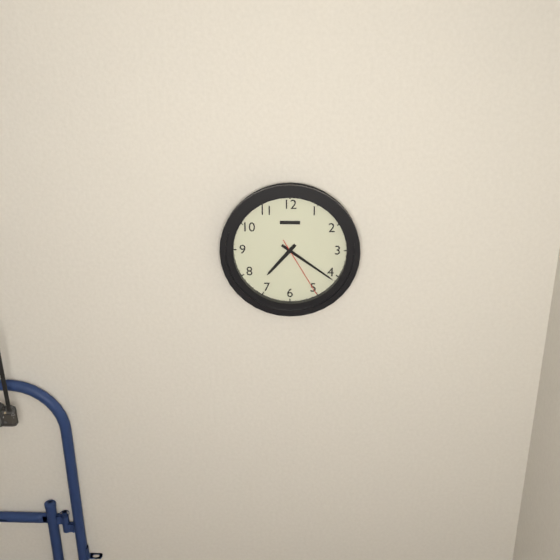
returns {"hour": 7, "minute": 21, "second": 25}
